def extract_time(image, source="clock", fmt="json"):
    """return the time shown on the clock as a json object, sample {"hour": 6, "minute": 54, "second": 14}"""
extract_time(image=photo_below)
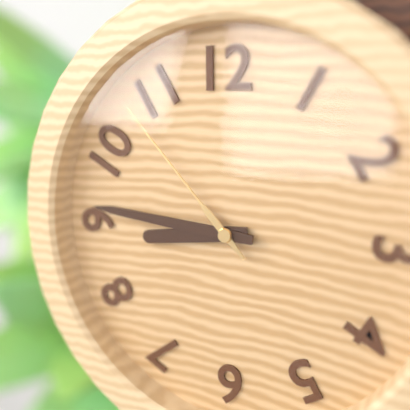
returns {"hour": 8, "minute": 46, "second": 53}
